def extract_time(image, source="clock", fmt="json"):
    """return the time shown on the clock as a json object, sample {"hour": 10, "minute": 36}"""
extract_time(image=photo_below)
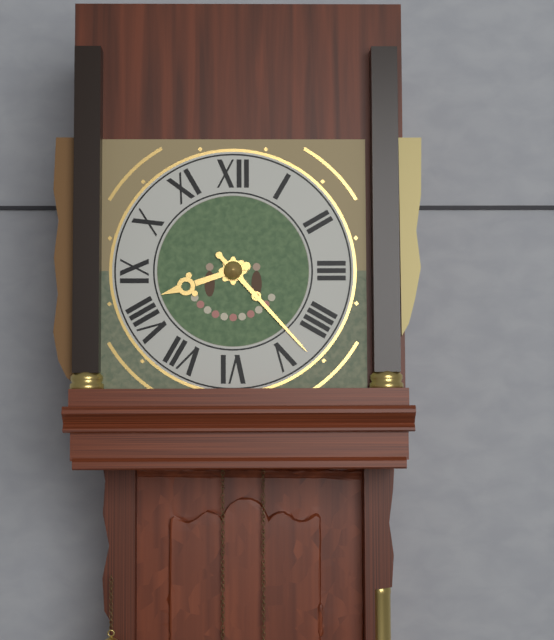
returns {"hour": 8, "minute": 23}
